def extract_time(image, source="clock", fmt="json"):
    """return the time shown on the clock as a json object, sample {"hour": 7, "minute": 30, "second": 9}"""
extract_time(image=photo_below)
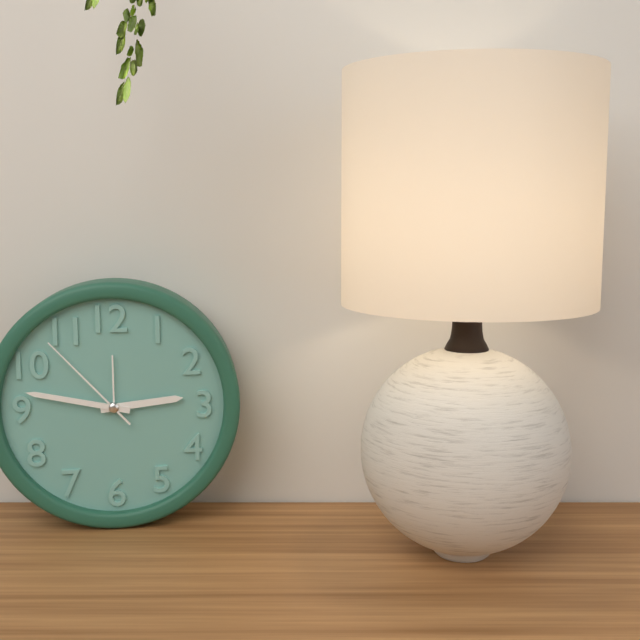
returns {"hour": 2, "minute": 47, "second": 53}
